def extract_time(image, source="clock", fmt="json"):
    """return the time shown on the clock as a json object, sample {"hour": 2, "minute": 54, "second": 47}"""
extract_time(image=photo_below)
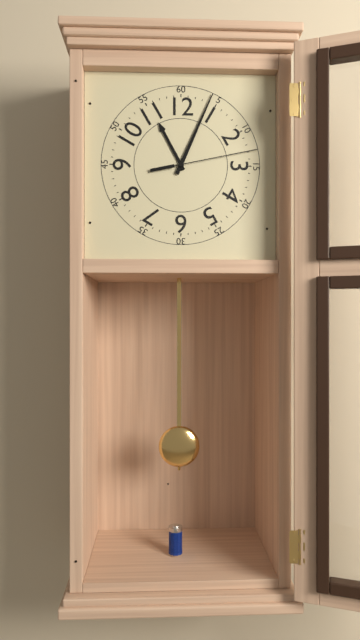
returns {"hour": 11, "minute": 4, "second": 13}
